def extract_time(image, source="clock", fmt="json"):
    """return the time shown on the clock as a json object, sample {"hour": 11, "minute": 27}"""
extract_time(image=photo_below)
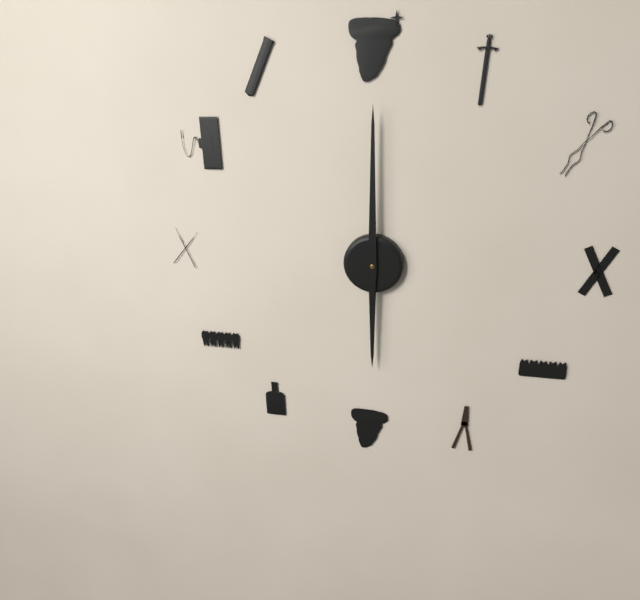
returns {"hour": 6, "minute": 0}
